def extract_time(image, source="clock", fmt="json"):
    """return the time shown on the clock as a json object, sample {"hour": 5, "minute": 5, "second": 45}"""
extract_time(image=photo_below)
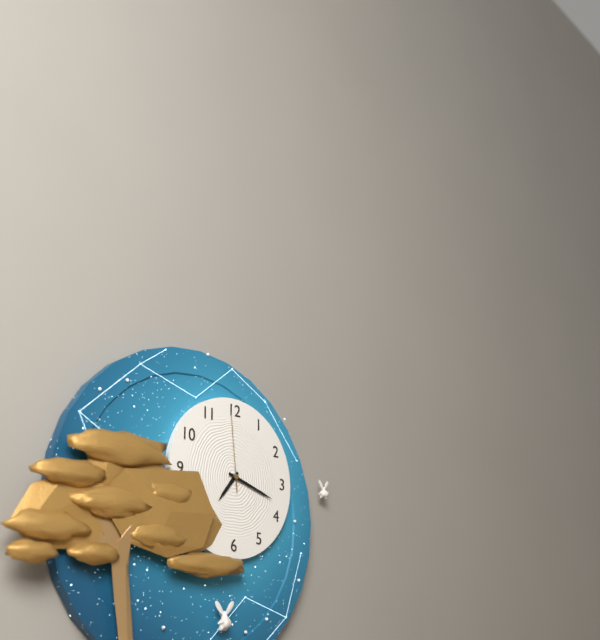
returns {"hour": 7, "minute": 18, "second": 59}
